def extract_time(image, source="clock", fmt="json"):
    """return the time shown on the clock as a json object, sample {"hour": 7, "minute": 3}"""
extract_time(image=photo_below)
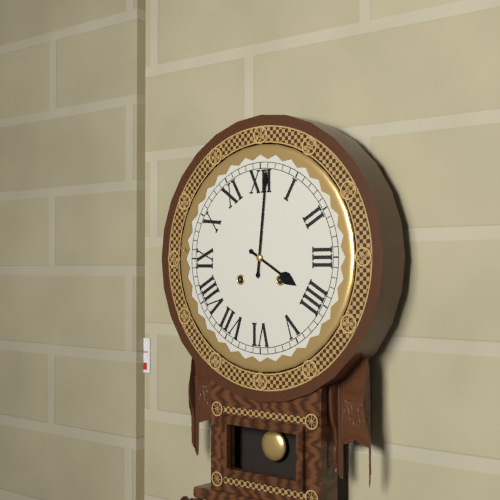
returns {"hour": 4, "minute": 1}
